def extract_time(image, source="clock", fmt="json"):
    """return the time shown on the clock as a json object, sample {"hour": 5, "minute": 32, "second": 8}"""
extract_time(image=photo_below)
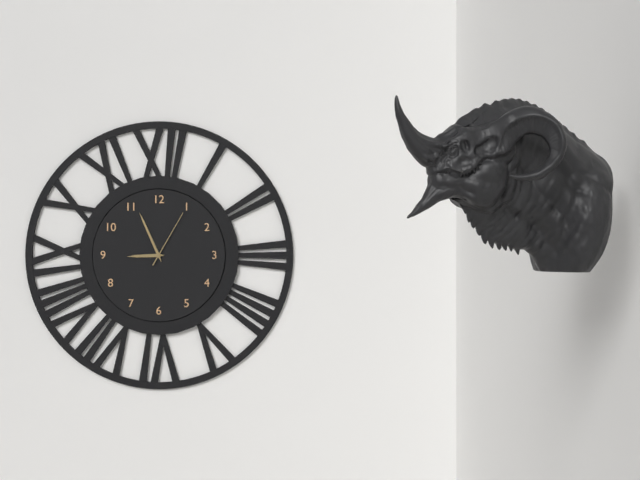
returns {"hour": 8, "minute": 56, "second": 5}
